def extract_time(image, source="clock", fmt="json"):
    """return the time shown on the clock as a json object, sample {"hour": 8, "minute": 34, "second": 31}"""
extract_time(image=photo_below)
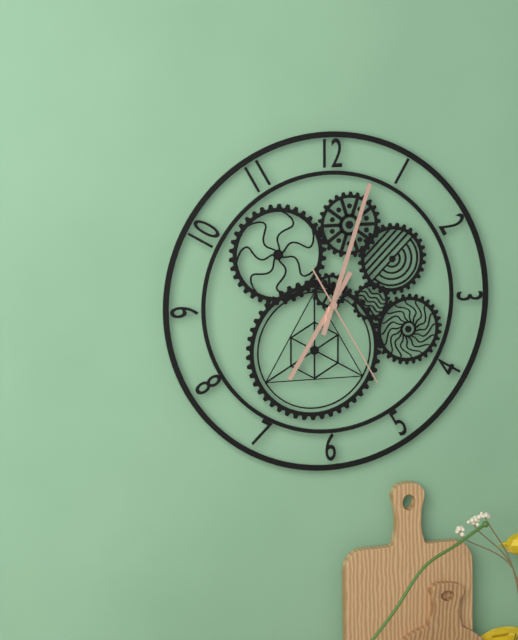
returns {"hour": 7, "minute": 3, "second": 25}
